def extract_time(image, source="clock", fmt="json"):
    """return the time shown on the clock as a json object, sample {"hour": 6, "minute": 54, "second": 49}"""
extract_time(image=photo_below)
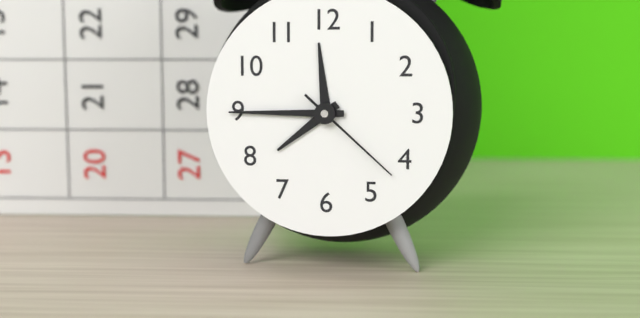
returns {"hour": 7, "minute": 45, "second": 22}
